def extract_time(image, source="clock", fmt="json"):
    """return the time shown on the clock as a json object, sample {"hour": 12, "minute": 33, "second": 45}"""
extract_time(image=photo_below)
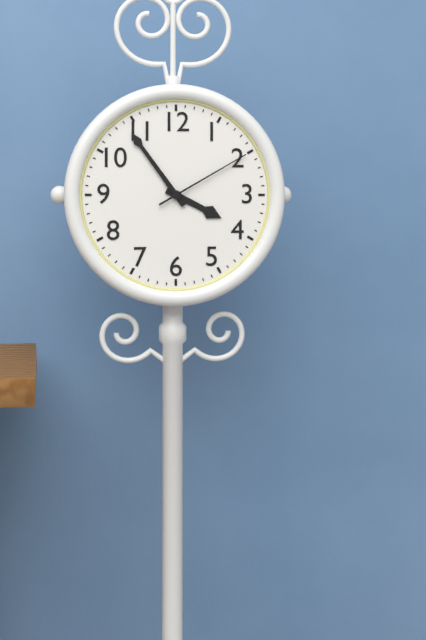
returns {"hour": 3, "minute": 54, "second": 10}
